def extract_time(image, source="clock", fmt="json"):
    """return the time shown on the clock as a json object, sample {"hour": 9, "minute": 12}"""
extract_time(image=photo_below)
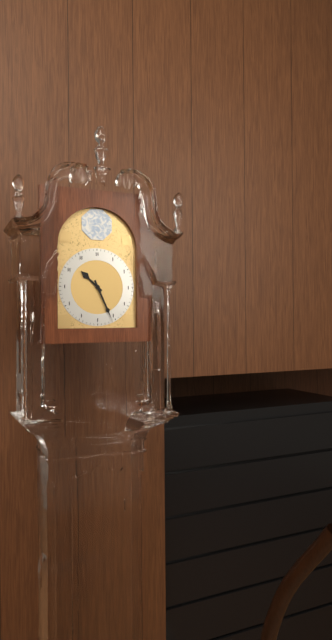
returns {"hour": 10, "minute": 26}
